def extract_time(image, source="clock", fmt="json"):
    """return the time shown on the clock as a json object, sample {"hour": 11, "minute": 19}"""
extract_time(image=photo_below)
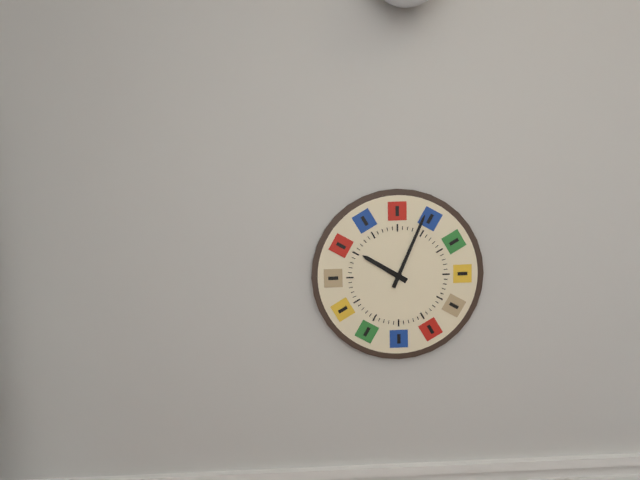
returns {"hour": 10, "minute": 4}
